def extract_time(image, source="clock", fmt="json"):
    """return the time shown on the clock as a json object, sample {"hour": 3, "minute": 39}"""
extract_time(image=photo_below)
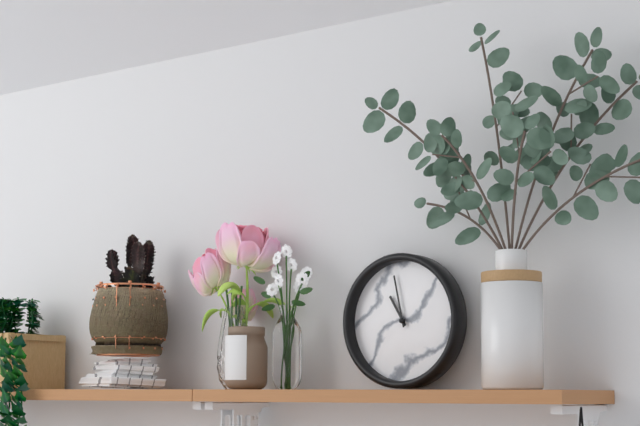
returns {"hour": 10, "minute": 58}
